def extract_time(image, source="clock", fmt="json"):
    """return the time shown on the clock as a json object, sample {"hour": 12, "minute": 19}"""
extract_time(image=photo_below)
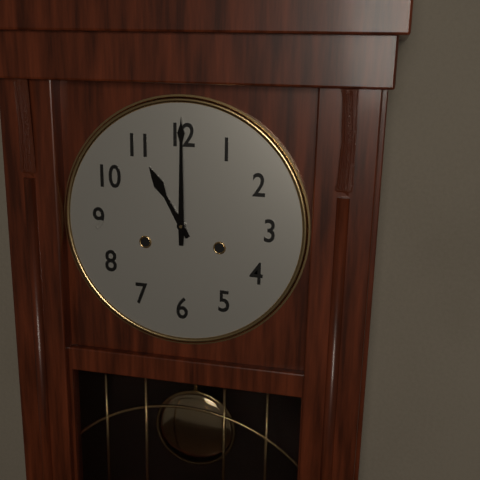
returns {"hour": 11, "minute": 0}
